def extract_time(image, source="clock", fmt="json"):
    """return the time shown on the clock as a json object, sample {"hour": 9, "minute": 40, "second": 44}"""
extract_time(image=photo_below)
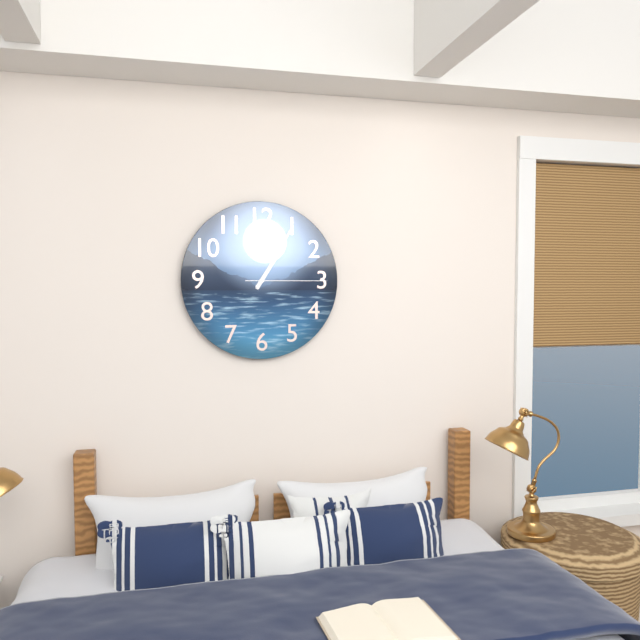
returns {"hour": 1, "minute": 5, "second": 15}
